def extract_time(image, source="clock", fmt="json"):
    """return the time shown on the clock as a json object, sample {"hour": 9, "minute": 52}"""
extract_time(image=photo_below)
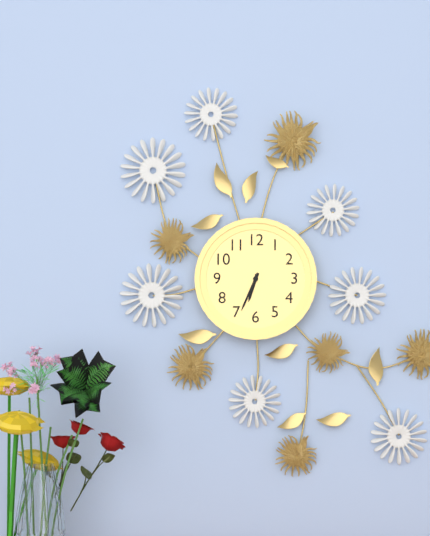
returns {"hour": 6, "minute": 34}
